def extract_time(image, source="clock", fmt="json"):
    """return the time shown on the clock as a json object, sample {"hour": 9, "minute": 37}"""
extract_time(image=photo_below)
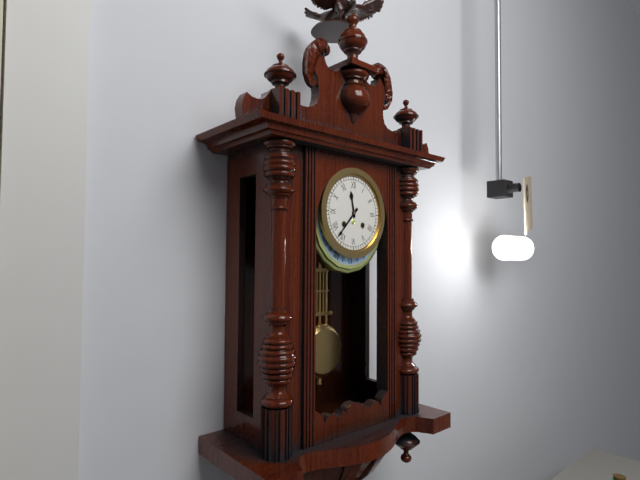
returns {"hour": 11, "minute": 37}
